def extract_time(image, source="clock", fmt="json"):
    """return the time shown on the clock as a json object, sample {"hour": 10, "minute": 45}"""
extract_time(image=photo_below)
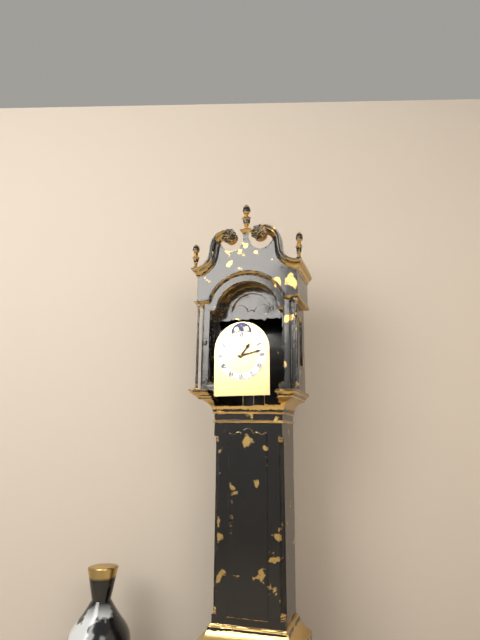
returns {"hour": 1, "minute": 13}
